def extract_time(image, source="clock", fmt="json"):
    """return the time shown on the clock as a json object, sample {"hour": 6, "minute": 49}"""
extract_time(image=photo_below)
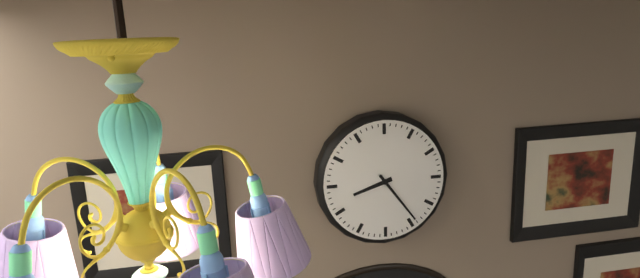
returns {"hour": 8, "minute": 24}
